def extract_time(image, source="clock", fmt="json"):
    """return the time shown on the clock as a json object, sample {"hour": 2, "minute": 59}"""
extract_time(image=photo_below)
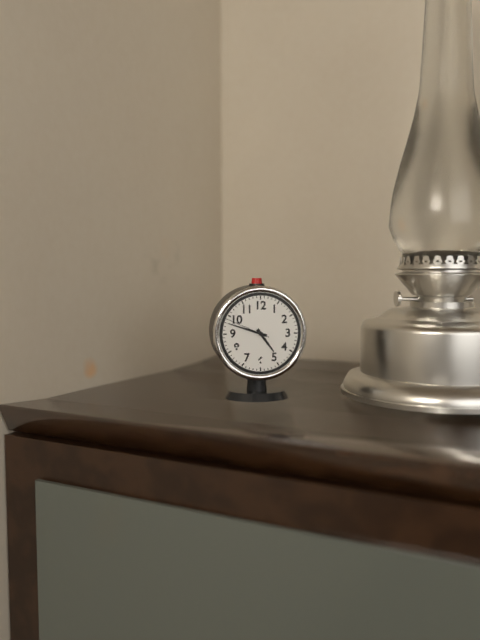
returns {"hour": 4, "minute": 48}
